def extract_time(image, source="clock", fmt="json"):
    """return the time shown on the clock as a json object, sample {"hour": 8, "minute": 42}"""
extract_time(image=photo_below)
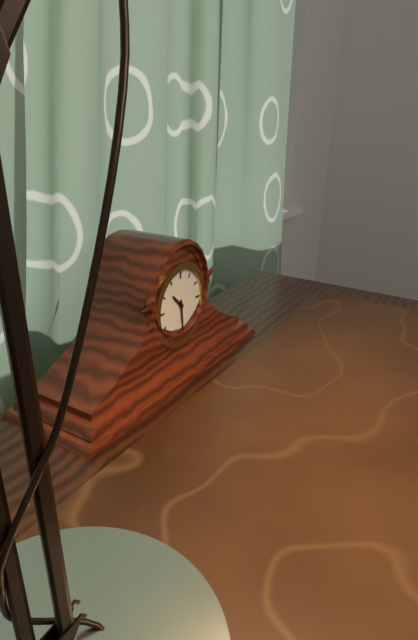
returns {"hour": 10, "minute": 29}
